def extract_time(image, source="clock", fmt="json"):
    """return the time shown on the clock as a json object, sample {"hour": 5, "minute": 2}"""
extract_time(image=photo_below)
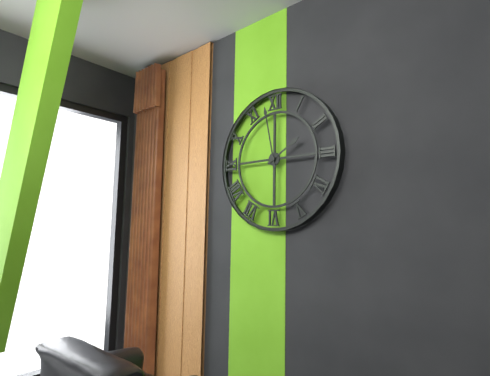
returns {"hour": 1, "minute": 58}
